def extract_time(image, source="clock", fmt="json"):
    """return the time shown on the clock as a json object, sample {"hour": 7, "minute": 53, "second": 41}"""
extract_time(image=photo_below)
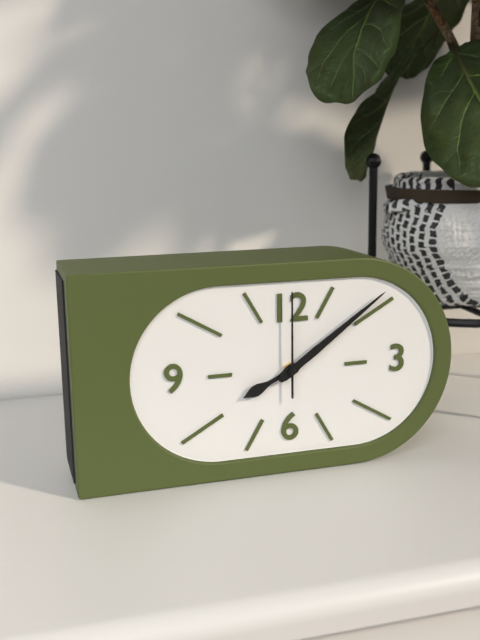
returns {"hour": 8, "minute": 9, "second": 0}
